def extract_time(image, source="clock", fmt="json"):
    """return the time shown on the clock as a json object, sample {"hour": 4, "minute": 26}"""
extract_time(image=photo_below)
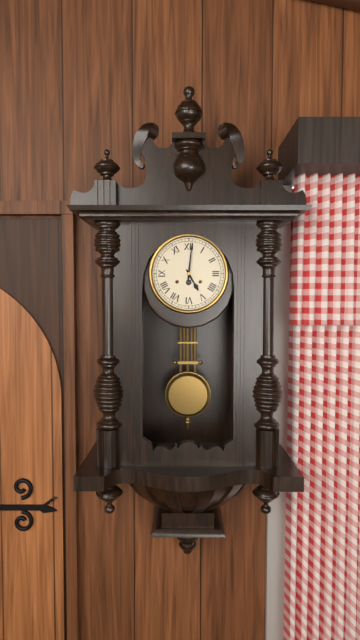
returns {"hour": 5, "minute": 1}
